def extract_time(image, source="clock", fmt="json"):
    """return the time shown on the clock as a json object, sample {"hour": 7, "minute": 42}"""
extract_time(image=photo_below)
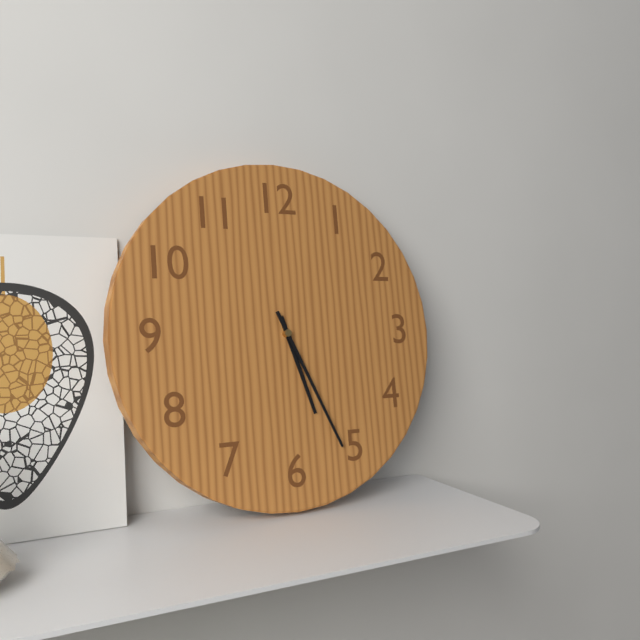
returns {"hour": 5, "minute": 26}
